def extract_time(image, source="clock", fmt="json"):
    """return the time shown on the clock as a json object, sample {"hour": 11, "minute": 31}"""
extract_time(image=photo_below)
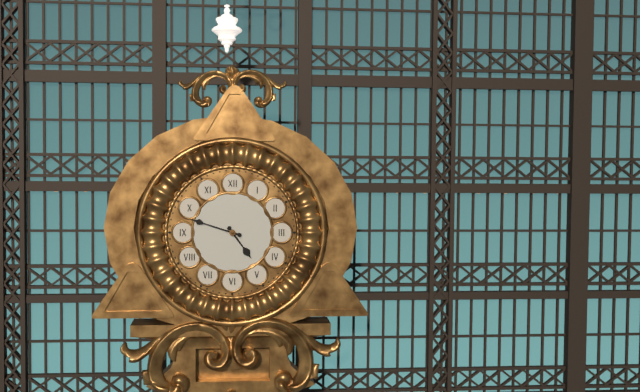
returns {"hour": 4, "minute": 48}
